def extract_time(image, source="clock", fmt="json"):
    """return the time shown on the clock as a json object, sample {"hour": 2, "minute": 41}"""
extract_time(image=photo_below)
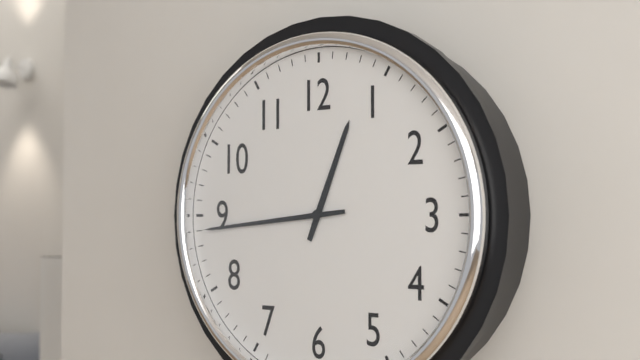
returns {"hour": 12, "minute": 44}
